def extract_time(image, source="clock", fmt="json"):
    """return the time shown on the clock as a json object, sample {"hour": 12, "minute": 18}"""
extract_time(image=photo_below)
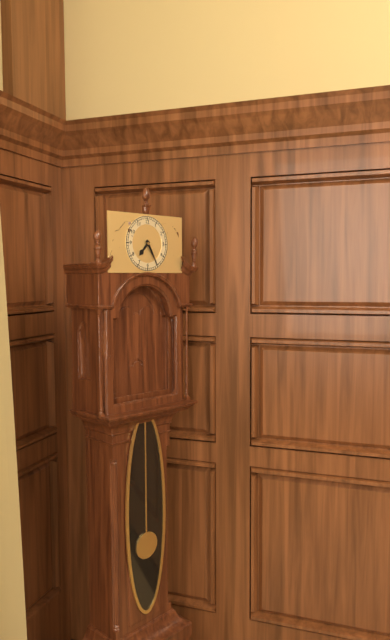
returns {"hour": 7, "minute": 25}
